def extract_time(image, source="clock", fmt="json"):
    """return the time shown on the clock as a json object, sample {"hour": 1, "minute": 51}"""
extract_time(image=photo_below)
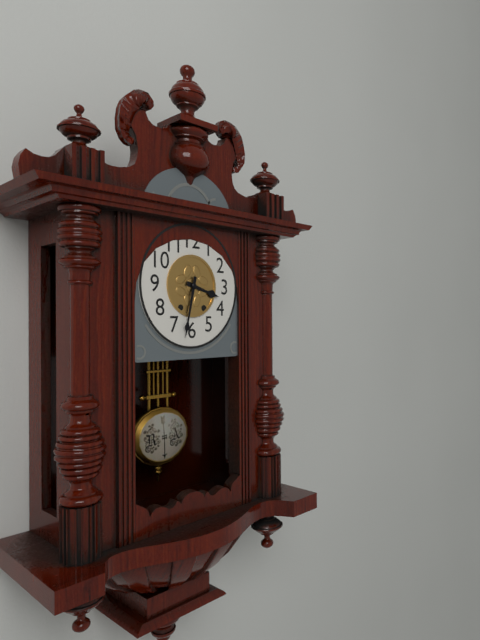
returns {"hour": 3, "minute": 32}
